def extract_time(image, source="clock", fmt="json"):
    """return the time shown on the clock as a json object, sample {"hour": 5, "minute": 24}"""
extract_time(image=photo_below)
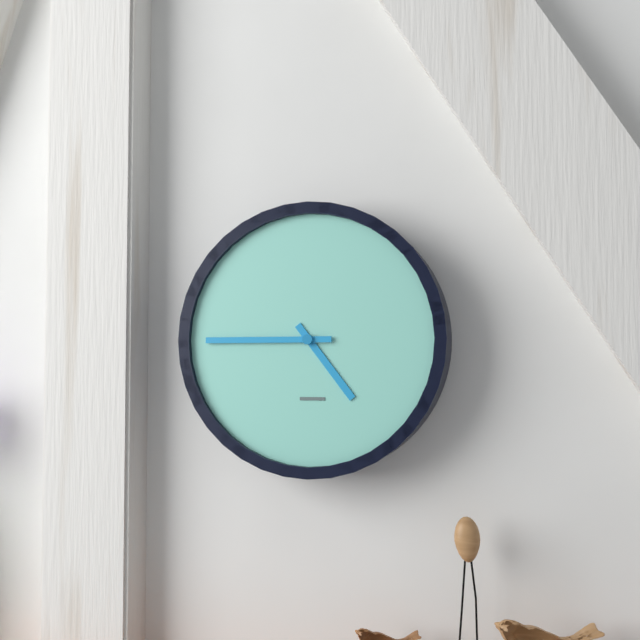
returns {"hour": 4, "minute": 45}
